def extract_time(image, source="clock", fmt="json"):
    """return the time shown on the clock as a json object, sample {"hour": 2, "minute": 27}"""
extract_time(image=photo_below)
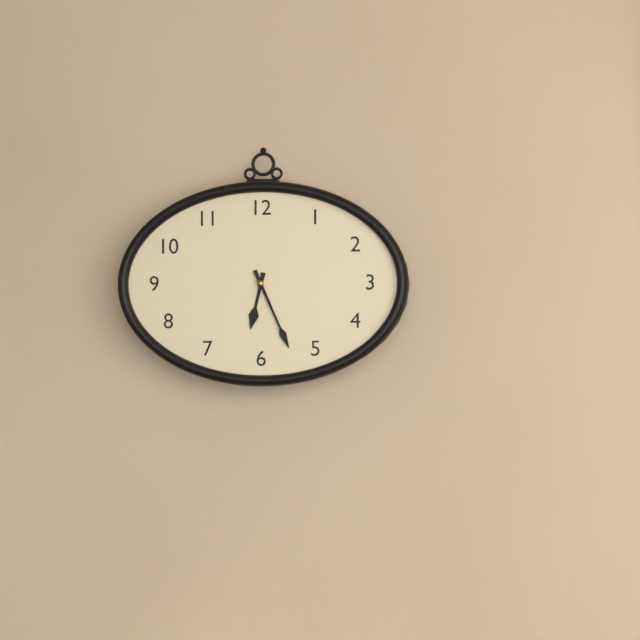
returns {"hour": 6, "minute": 26}
